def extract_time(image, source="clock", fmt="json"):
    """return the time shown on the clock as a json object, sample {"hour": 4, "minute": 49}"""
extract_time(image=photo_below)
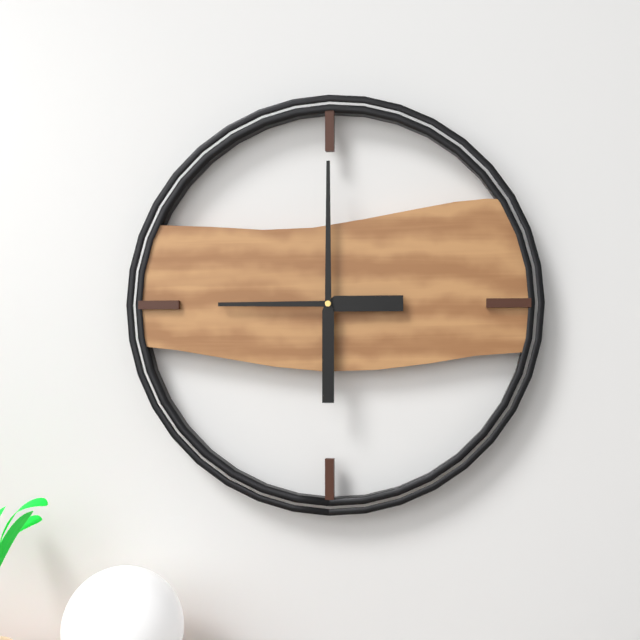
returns {"hour": 9, "minute": 0}
